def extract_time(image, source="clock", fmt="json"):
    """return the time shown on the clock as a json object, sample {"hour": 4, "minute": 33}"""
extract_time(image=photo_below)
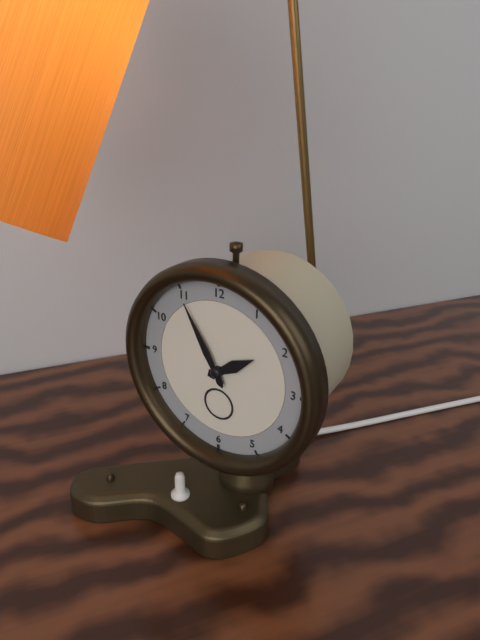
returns {"hour": 1, "minute": 55}
